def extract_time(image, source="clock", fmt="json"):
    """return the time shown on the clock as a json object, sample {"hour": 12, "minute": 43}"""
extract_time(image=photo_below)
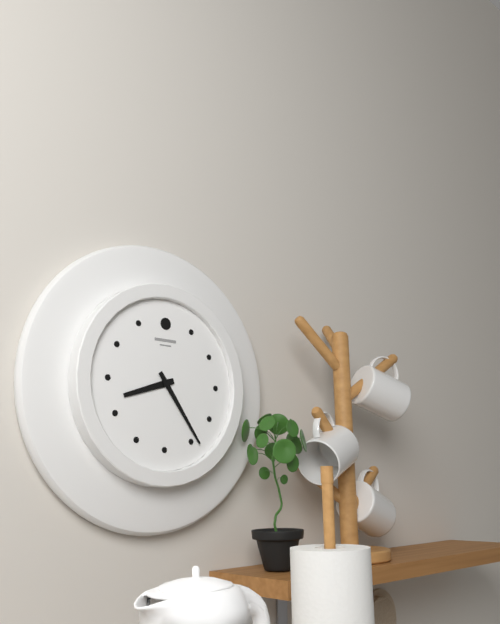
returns {"hour": 8, "minute": 24}
